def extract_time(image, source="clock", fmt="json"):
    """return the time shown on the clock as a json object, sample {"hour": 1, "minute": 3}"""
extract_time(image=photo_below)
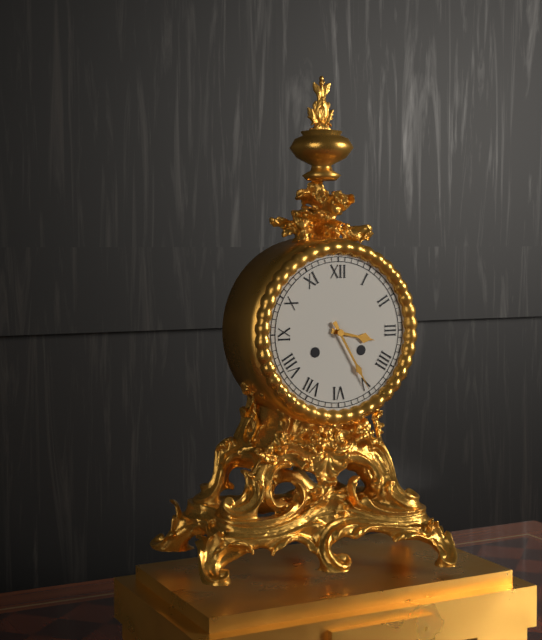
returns {"hour": 3, "minute": 25}
